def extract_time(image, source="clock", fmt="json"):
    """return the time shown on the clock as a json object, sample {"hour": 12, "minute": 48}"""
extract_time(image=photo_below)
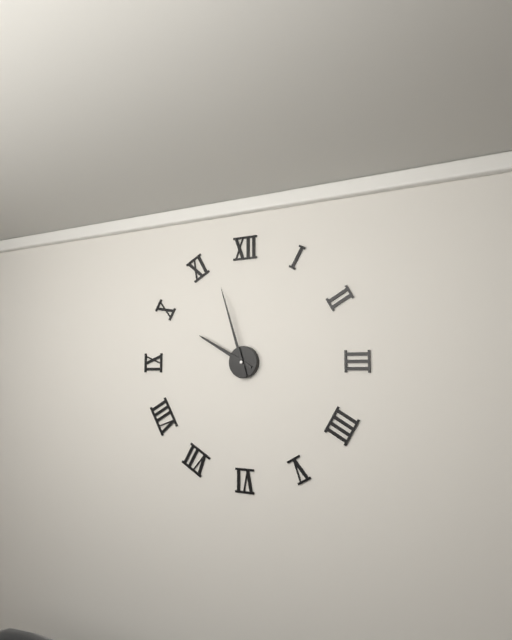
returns {"hour": 9, "minute": 57}
